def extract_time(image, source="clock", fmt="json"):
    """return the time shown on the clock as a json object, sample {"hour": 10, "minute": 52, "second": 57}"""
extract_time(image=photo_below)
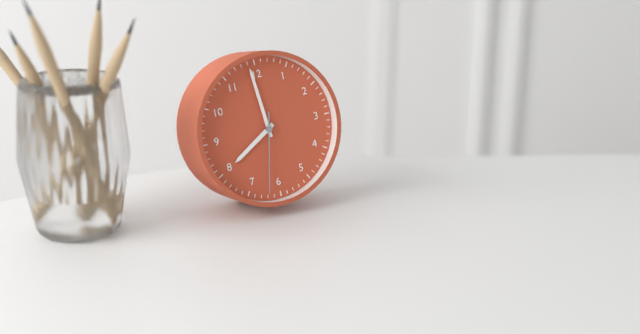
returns {"hour": 7, "minute": 59, "second": 32}
